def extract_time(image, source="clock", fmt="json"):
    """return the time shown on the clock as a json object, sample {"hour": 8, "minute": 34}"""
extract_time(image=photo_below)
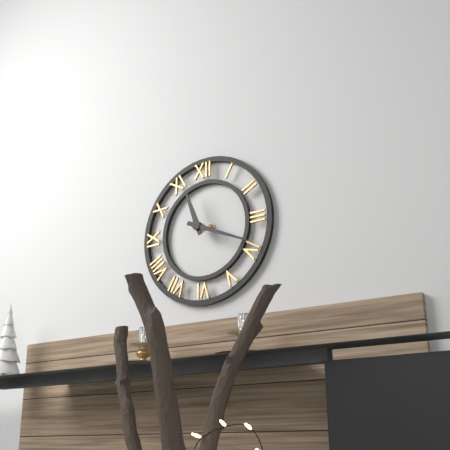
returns {"hour": 11, "minute": 19}
